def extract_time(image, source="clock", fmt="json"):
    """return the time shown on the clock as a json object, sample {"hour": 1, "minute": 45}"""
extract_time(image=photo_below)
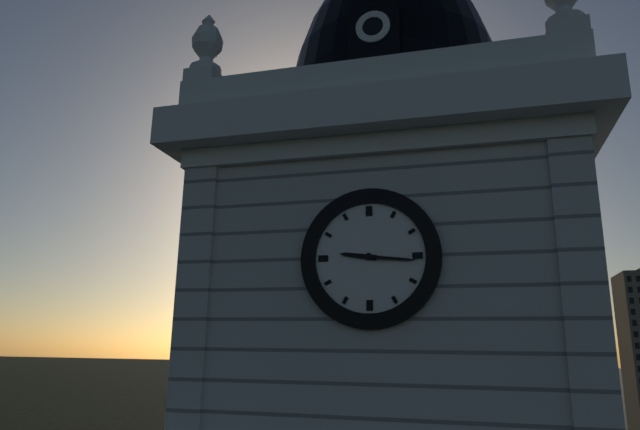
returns {"hour": 9, "minute": 16}
